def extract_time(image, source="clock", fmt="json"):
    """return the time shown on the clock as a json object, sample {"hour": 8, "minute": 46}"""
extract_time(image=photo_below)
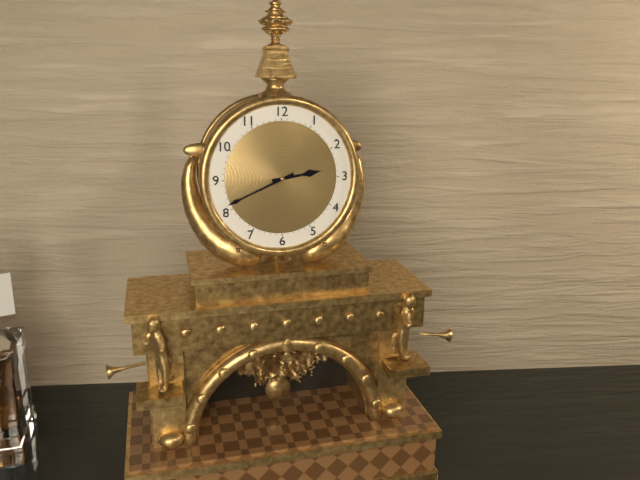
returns {"hour": 2, "minute": 41}
